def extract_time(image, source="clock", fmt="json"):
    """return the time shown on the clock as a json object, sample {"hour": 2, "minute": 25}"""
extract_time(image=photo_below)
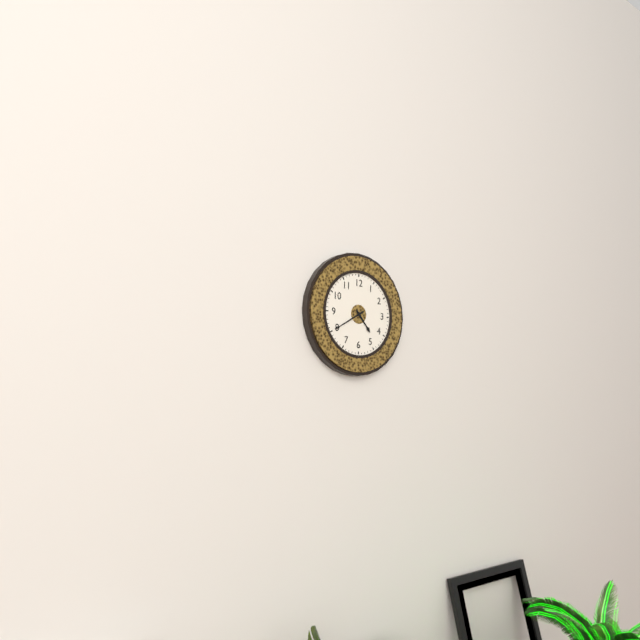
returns {"hour": 4, "minute": 40}
